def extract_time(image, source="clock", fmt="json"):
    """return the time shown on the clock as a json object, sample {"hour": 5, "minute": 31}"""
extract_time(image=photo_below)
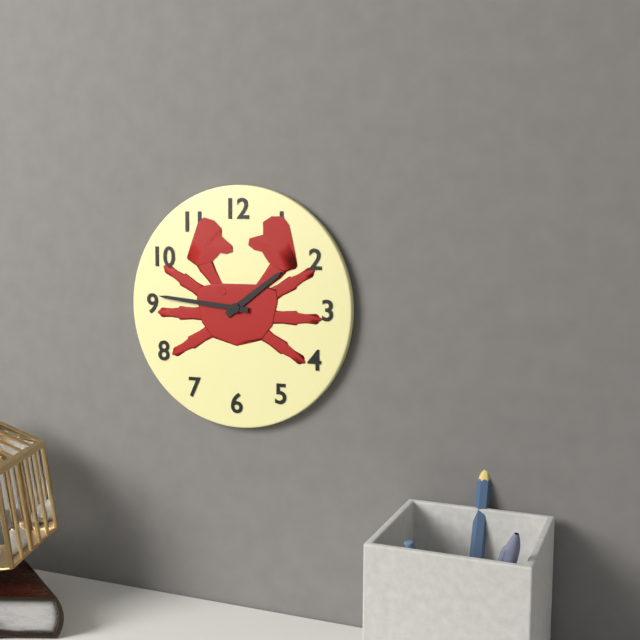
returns {"hour": 1, "minute": 46}
